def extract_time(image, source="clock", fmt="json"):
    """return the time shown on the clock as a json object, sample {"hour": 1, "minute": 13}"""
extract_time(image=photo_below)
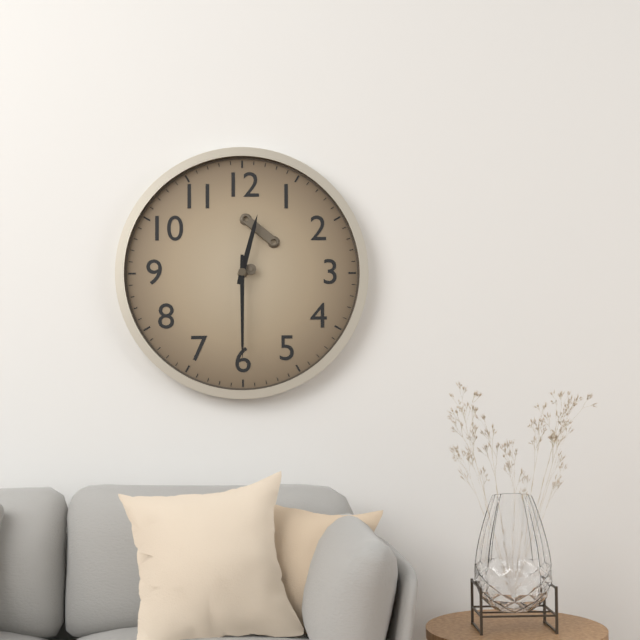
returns {"hour": 12, "minute": 30}
